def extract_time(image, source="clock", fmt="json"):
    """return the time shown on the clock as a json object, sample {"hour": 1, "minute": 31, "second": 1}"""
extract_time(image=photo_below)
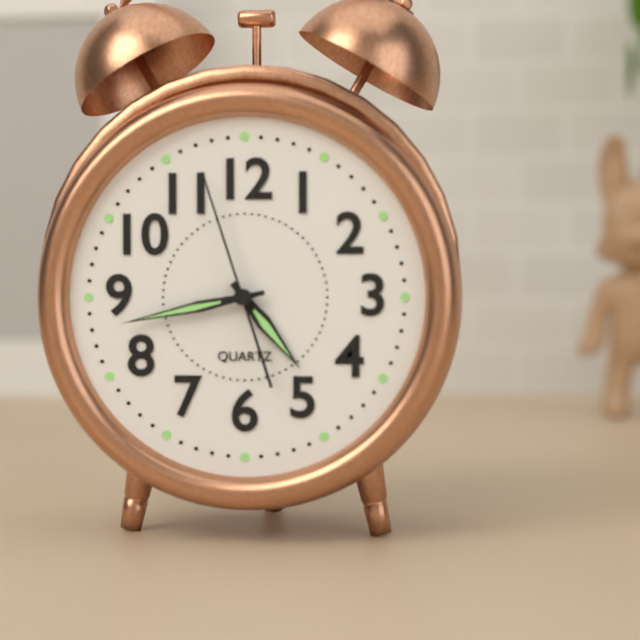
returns {"hour": 4, "minute": 43, "second": 57}
